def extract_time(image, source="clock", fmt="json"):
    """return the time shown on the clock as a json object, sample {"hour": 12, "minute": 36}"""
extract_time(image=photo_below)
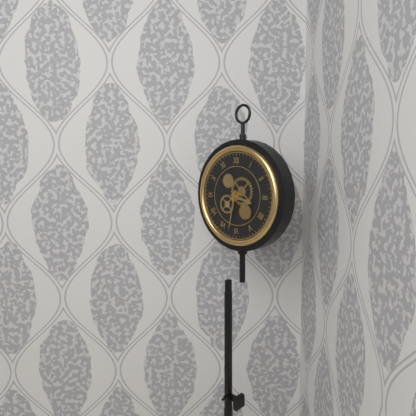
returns {"hour": 3, "minute": 32}
